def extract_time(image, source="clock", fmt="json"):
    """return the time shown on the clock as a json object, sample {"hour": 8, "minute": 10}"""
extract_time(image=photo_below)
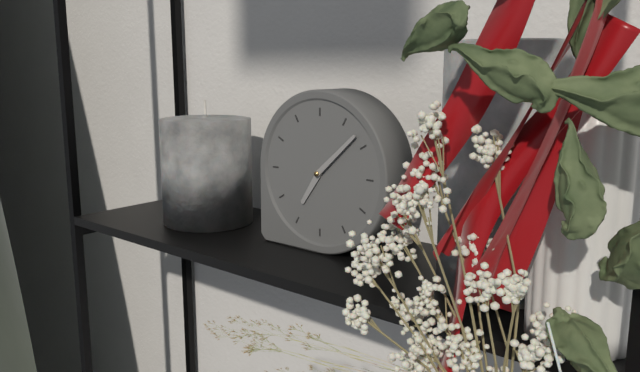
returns {"hour": 7, "minute": 8}
